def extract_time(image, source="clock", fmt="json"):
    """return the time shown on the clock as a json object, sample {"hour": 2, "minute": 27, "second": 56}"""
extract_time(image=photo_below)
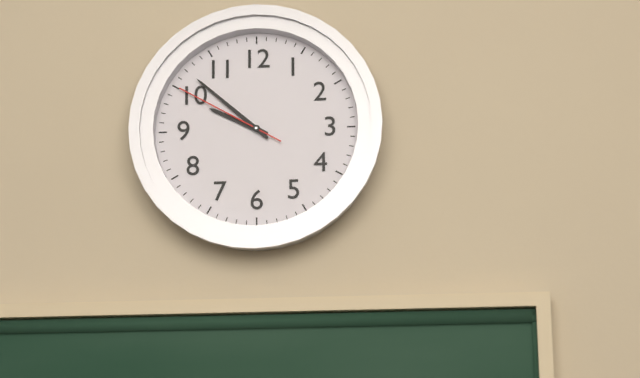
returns {"hour": 9, "minute": 52, "second": 50}
